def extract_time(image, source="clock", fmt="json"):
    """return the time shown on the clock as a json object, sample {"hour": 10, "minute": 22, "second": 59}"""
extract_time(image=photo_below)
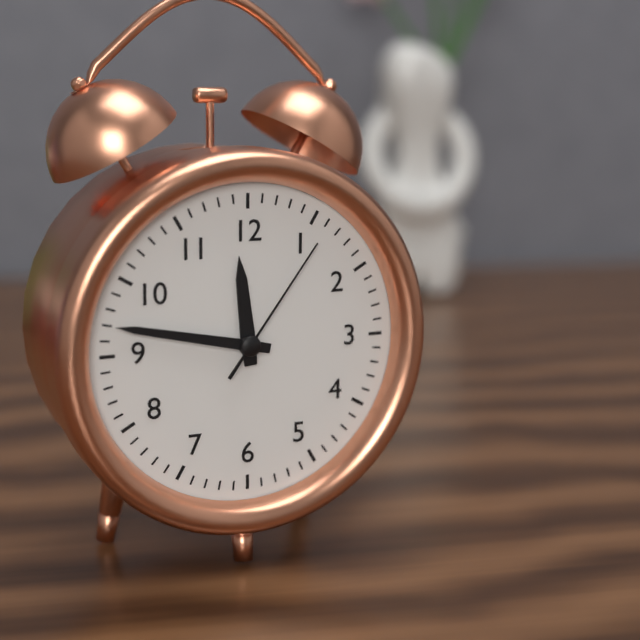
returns {"hour": 11, "minute": 47, "second": 6}
